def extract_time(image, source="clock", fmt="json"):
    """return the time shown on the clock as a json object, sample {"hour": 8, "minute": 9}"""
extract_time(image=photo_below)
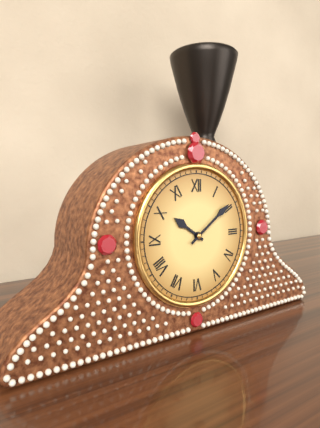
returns {"hour": 10, "minute": 9}
